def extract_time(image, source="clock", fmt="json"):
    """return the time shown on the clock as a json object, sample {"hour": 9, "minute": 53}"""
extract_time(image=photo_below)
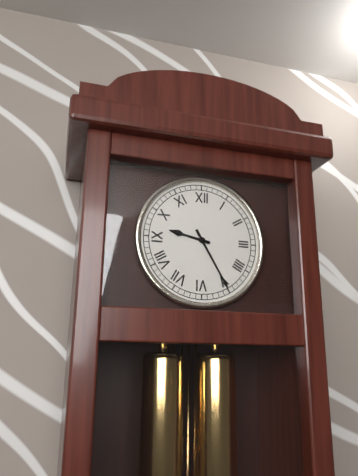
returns {"hour": 9, "minute": 25}
